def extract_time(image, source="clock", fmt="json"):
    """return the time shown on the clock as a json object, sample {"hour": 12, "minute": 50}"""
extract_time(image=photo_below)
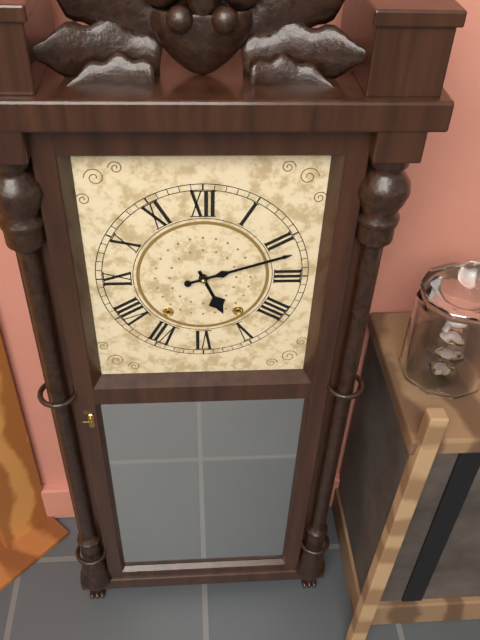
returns {"hour": 5, "minute": 12}
